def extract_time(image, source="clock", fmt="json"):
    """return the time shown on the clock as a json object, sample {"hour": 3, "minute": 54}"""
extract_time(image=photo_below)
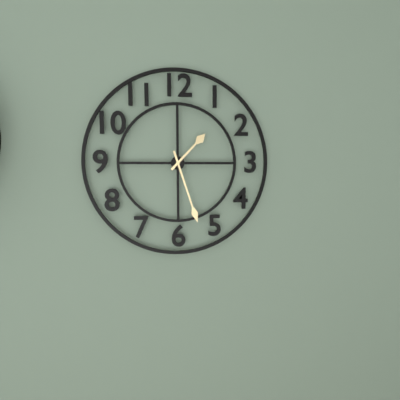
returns {"hour": 1, "minute": 27}
